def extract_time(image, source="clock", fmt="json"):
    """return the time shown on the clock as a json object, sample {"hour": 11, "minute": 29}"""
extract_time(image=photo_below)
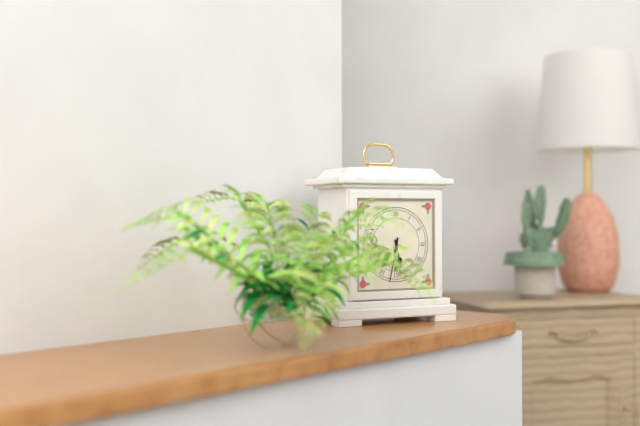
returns {"hour": 5, "minute": 32}
